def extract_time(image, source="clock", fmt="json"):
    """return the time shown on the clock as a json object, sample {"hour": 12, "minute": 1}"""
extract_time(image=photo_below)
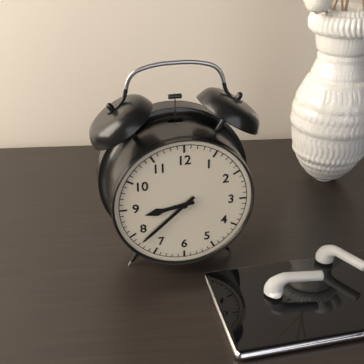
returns {"hour": 8, "minute": 38}
